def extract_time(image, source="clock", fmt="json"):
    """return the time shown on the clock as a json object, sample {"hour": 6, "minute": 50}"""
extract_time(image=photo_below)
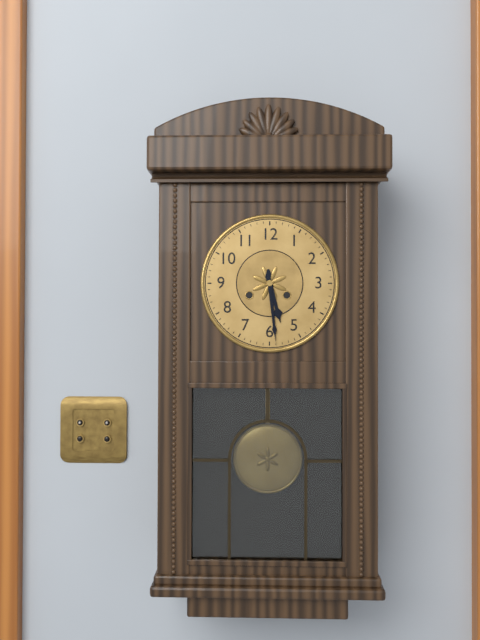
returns {"hour": 5, "minute": 29}
